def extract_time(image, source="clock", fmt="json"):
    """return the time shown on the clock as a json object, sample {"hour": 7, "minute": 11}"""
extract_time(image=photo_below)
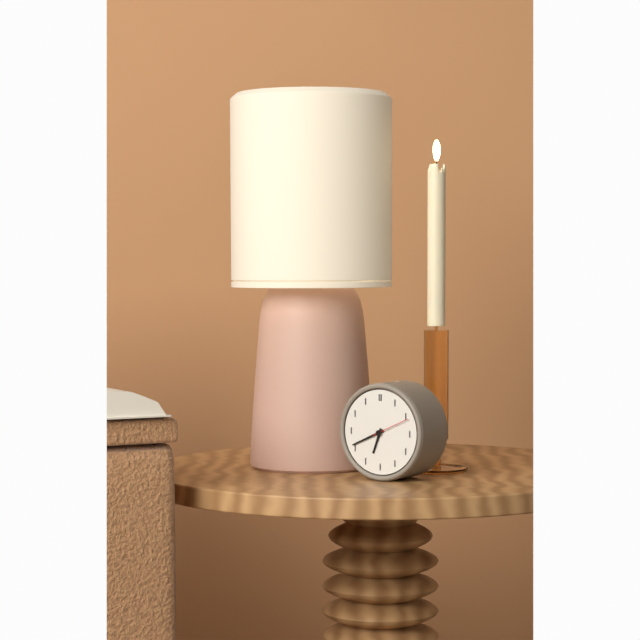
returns {"hour": 6, "minute": 41}
